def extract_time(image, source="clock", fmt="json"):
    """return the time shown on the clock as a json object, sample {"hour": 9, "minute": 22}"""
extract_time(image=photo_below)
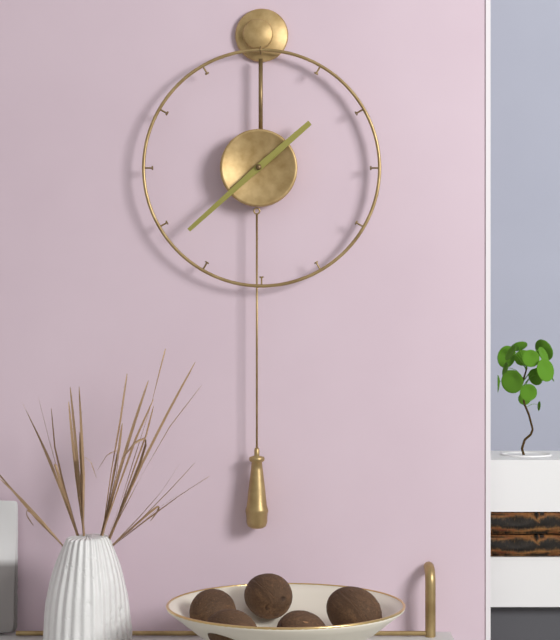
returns {"hour": 1, "minute": 38}
